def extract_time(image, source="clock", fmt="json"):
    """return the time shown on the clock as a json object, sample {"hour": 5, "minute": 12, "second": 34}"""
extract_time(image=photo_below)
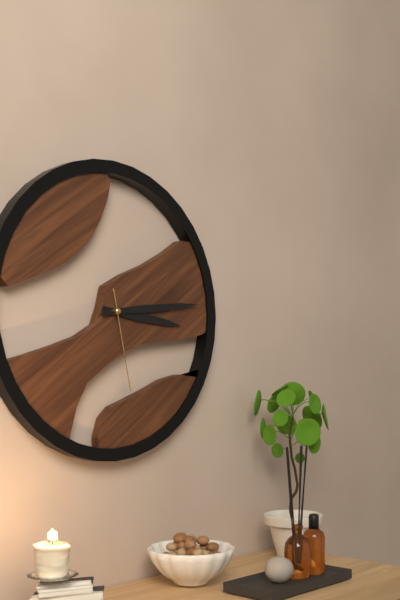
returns {"hour": 3, "minute": 14, "second": 28}
